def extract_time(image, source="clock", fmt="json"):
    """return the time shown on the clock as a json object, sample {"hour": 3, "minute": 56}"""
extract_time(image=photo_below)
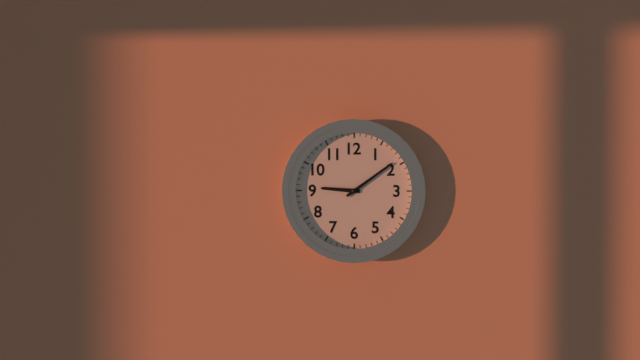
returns {"hour": 9, "minute": 9}
